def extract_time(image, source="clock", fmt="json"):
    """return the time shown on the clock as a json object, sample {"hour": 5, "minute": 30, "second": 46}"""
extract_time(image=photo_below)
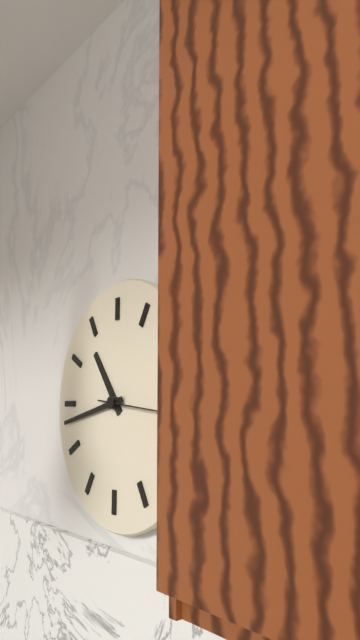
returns {"hour": 10, "minute": 43, "second": 16}
